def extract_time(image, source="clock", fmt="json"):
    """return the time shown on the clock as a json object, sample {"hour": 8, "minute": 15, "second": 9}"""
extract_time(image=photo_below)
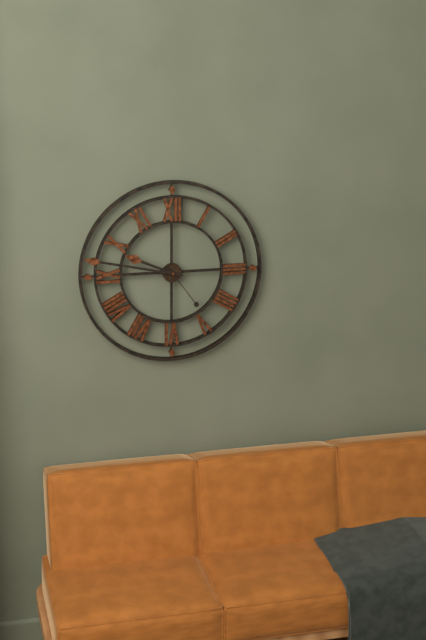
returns {"hour": 9, "minute": 47, "second": 24}
